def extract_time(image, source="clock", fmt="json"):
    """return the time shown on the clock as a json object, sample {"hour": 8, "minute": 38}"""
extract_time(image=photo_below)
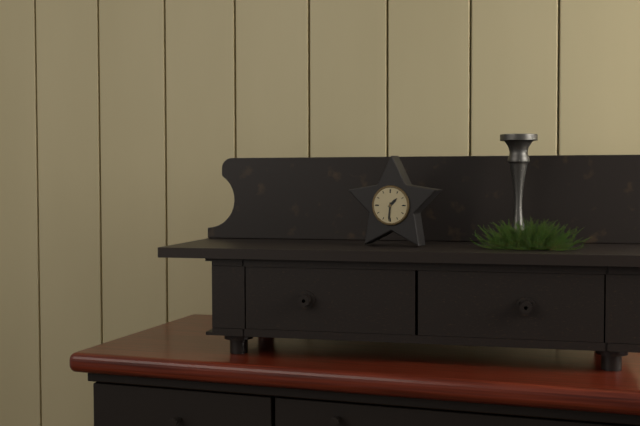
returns {"hour": 1, "minute": 31}
